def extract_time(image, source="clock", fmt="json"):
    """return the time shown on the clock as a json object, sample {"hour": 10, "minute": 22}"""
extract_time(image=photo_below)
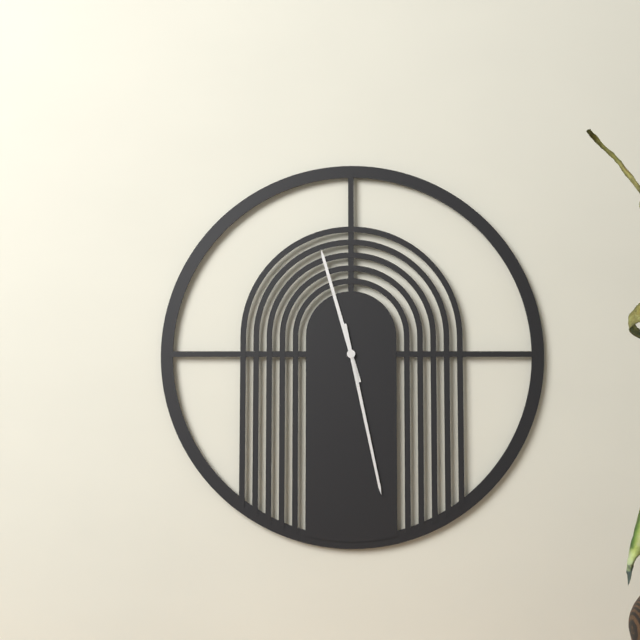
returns {"hour": 11, "minute": 28}
